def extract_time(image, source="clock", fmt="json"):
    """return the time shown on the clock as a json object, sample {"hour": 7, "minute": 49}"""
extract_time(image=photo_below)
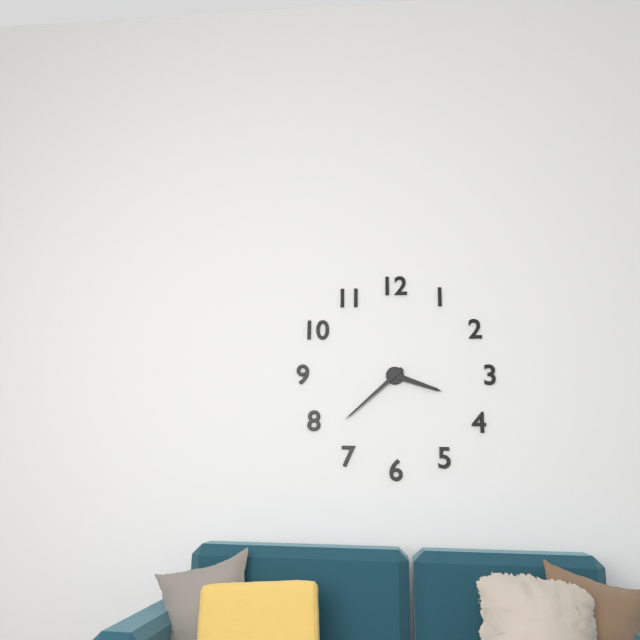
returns {"hour": 3, "minute": 38}
